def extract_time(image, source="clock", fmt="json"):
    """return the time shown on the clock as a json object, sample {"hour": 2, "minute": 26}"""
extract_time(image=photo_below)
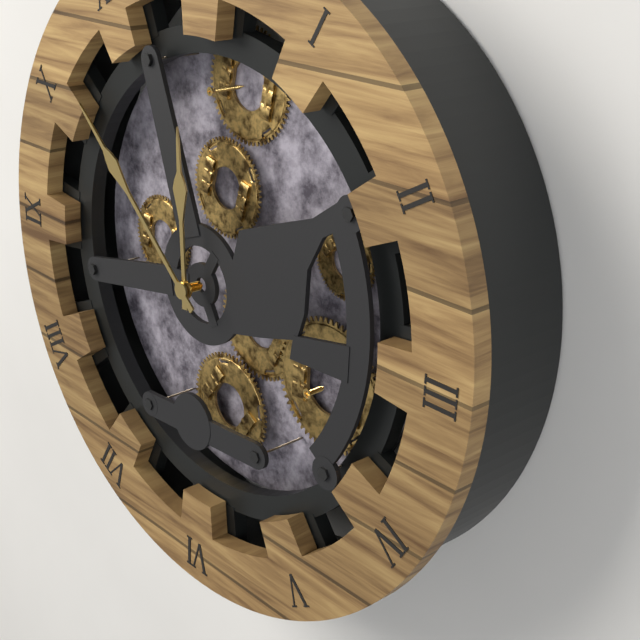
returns {"hour": 11, "minute": 52}
